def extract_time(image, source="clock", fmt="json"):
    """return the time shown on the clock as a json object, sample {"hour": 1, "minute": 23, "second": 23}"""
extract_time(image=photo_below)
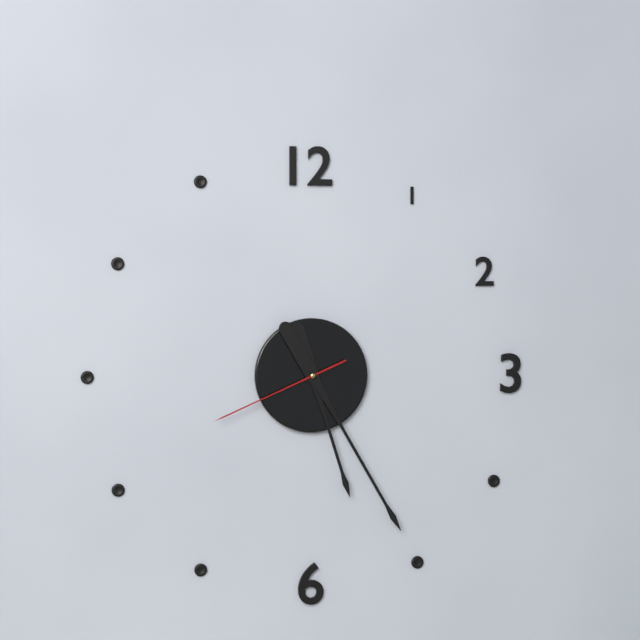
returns {"hour": 5, "minute": 25, "second": 41}
